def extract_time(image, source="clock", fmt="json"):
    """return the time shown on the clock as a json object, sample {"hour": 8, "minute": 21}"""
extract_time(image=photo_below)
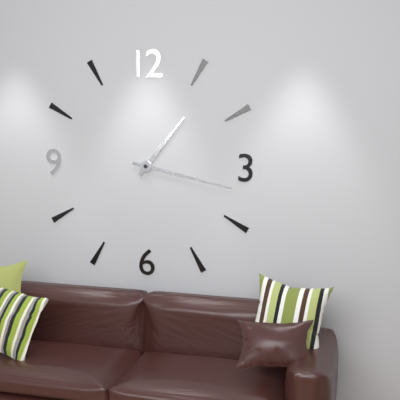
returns {"hour": 1, "minute": 17}
